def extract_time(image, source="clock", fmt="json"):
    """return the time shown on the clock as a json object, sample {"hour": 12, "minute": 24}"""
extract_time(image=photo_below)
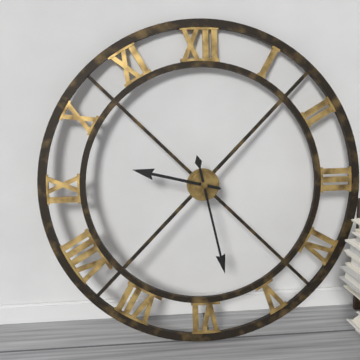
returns {"hour": 9, "minute": 28}
